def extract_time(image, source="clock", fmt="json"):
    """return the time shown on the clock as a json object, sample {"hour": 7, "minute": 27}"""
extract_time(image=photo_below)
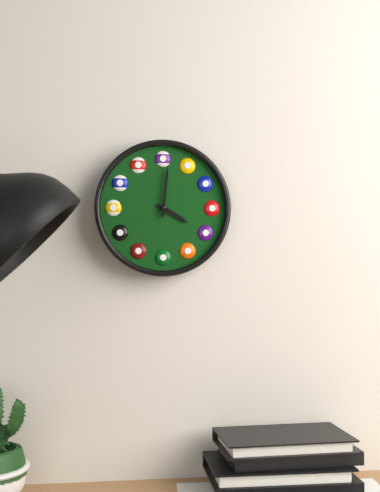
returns {"hour": 4, "minute": 1}
